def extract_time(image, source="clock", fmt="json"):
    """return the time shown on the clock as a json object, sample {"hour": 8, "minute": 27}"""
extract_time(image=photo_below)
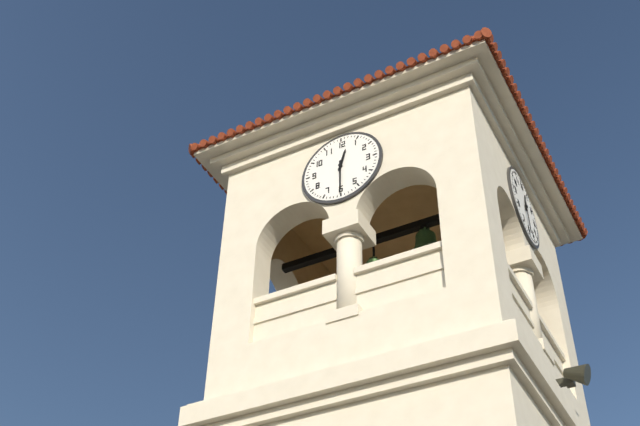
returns {"hour": 12, "minute": 30}
